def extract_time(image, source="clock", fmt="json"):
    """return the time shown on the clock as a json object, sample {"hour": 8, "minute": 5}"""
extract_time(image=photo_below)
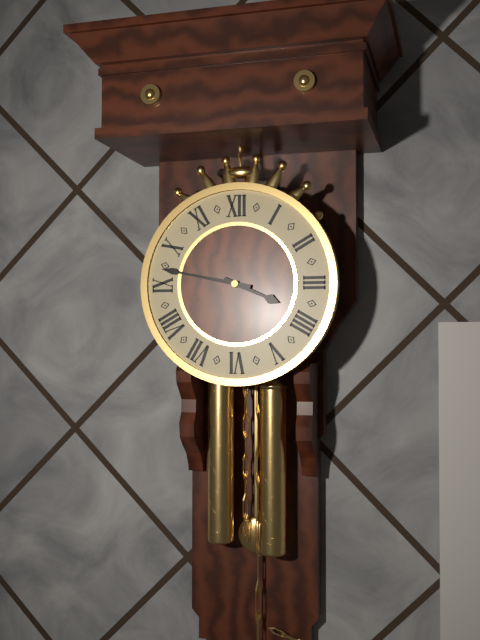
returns {"hour": 3, "minute": 47}
